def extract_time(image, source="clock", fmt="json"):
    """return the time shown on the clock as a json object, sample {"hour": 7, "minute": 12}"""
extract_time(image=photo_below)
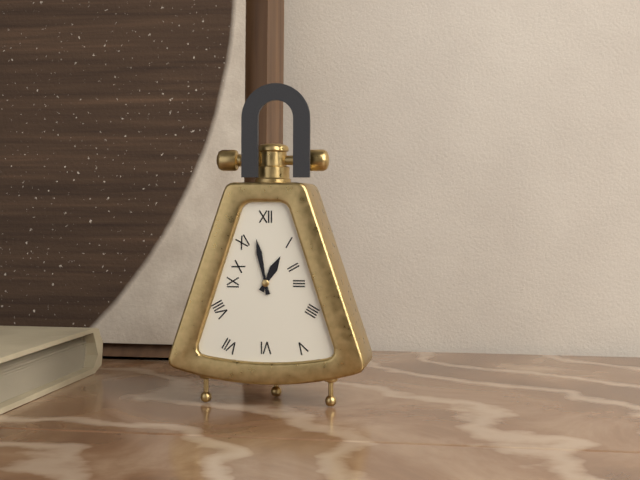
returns {"hour": 12, "minute": 58}
